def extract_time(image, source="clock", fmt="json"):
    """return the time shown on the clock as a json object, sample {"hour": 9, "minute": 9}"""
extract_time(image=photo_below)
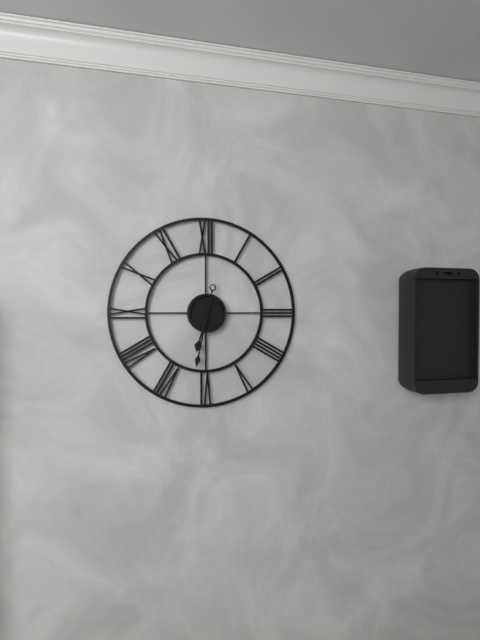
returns {"hour": 6, "minute": 32}
